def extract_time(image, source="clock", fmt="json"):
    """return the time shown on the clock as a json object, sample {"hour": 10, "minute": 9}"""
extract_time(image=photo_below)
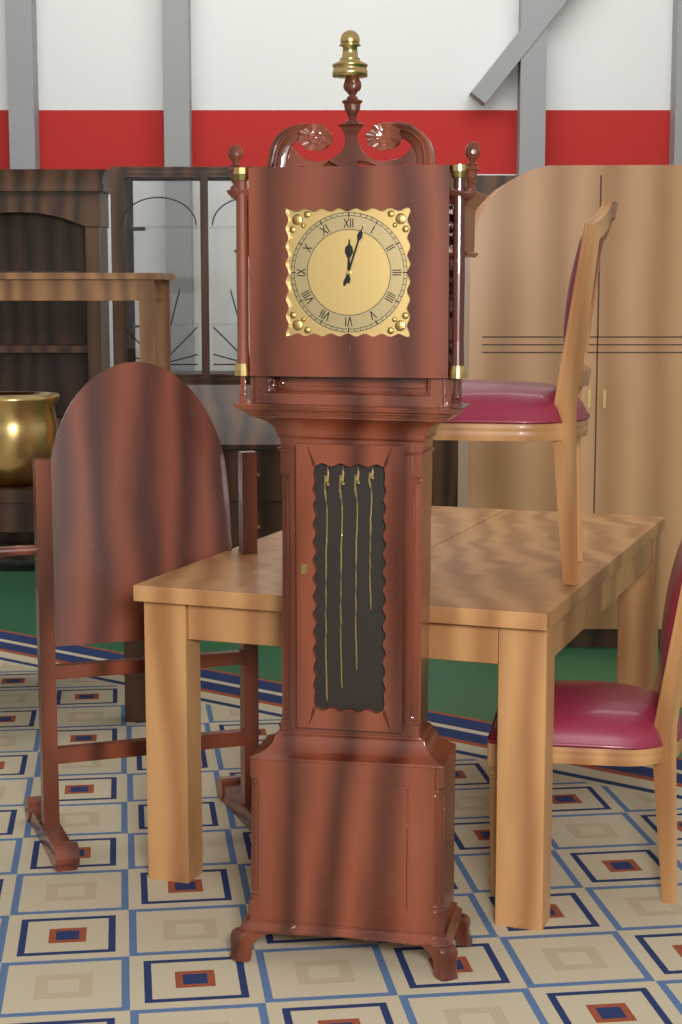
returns {"hour": 12, "minute": 3}
